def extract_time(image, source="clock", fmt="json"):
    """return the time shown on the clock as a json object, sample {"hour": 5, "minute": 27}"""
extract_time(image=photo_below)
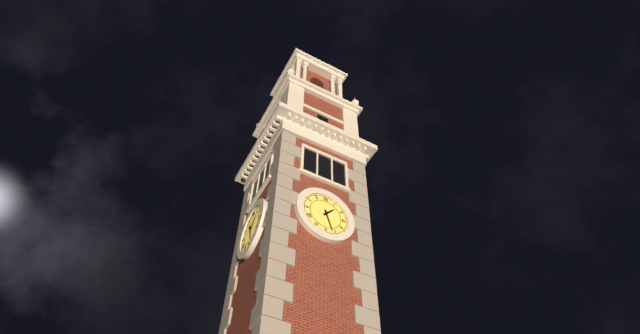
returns {"hour": 1, "minute": 27}
